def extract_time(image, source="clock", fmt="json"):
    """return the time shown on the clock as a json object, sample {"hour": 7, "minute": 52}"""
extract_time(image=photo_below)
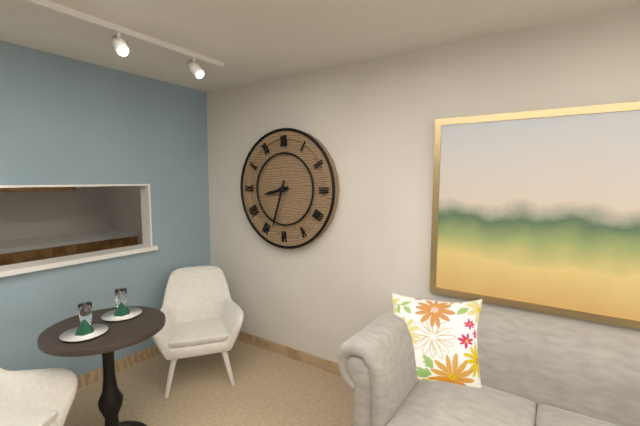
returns {"hour": 8, "minute": 33}
